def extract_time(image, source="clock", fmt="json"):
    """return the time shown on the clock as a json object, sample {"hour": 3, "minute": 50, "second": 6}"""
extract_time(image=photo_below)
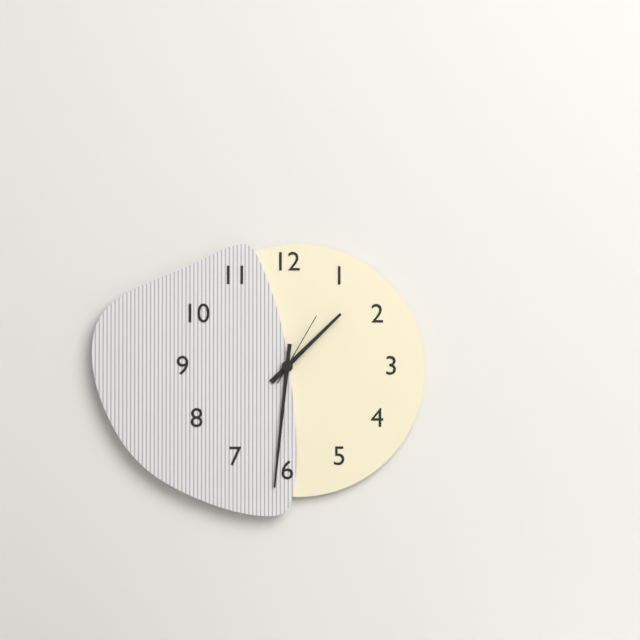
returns {"hour": 1, "minute": 31, "second": 5}
